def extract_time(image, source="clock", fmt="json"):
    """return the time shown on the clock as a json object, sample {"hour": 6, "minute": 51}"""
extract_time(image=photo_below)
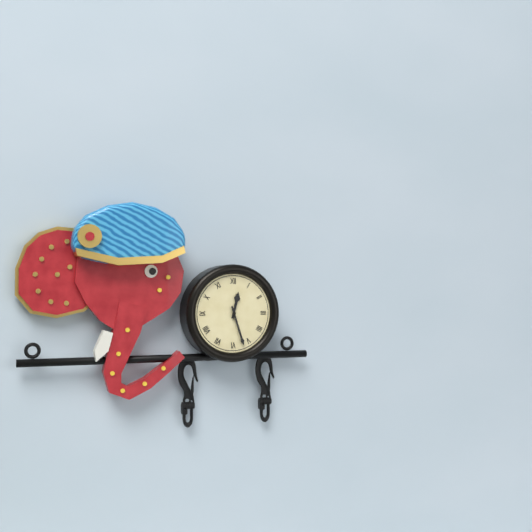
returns {"hour": 12, "minute": 27}
